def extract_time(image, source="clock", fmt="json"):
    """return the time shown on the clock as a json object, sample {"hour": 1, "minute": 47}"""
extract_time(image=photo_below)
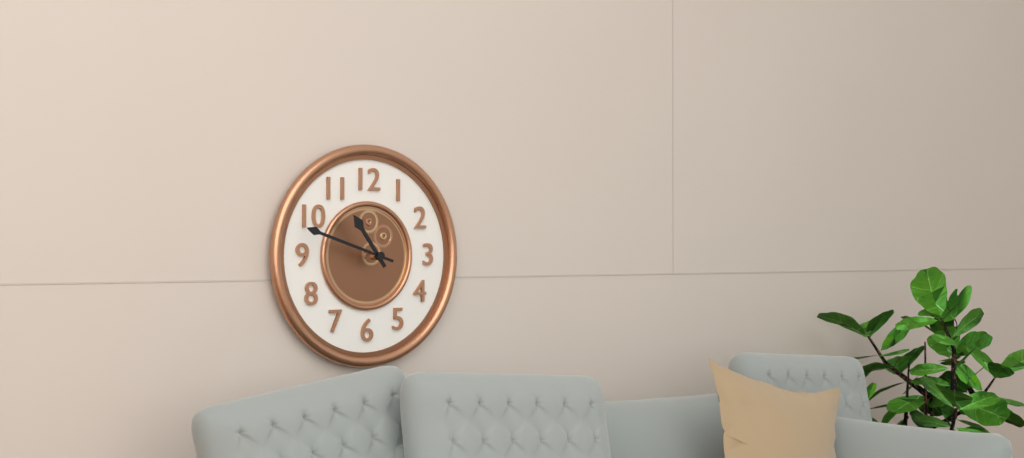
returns {"hour": 10, "minute": 48}
